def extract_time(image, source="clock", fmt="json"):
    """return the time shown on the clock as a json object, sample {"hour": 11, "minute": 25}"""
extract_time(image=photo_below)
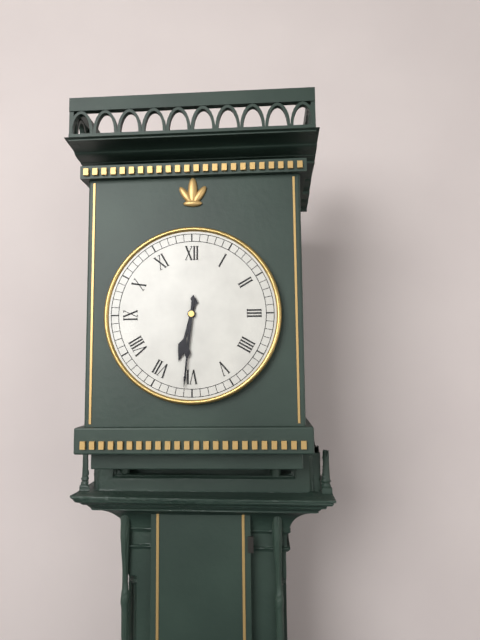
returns {"hour": 6, "minute": 31}
